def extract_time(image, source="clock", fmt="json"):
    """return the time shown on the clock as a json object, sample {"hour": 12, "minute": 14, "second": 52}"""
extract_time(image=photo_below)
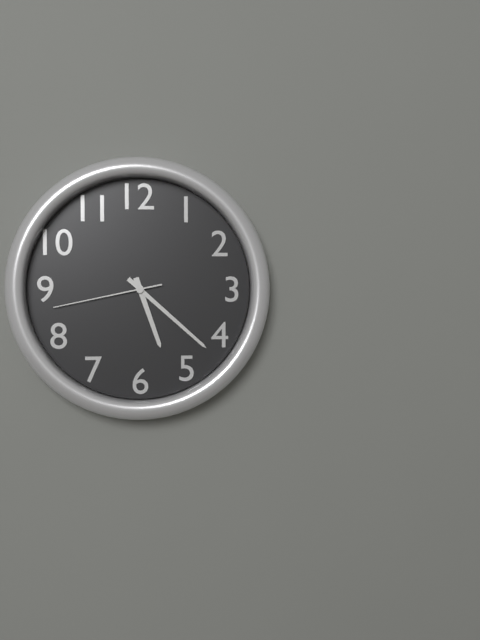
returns {"hour": 5, "minute": 22, "second": 43}
